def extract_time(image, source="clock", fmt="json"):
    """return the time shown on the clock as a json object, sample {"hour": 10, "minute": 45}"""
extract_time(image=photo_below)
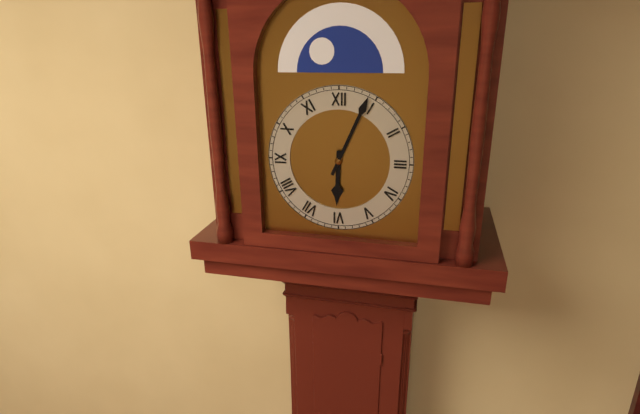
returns {"hour": 6, "minute": 4}
